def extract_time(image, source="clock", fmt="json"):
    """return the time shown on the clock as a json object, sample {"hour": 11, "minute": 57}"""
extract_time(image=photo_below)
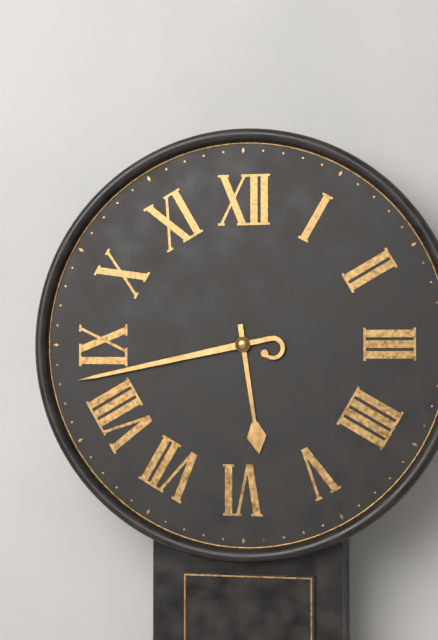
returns {"hour": 5, "minute": 43}
